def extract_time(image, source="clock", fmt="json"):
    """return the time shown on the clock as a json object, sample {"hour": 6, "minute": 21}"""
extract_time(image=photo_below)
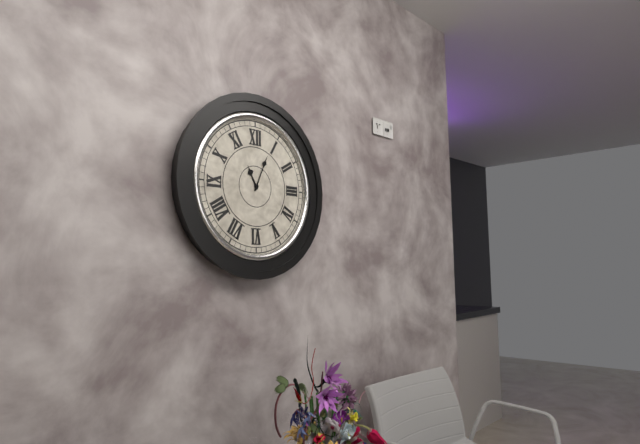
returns {"hour": 11, "minute": 4}
